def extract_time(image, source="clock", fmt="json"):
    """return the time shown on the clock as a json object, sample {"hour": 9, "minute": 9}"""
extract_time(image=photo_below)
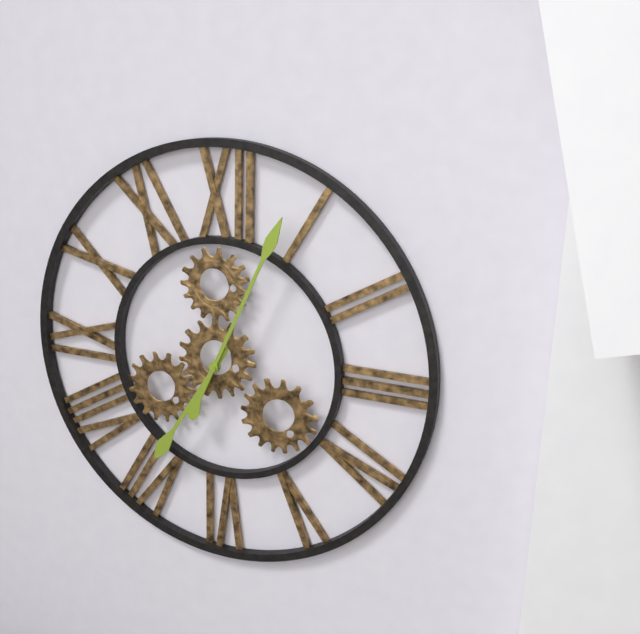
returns {"hour": 7, "minute": 4}
